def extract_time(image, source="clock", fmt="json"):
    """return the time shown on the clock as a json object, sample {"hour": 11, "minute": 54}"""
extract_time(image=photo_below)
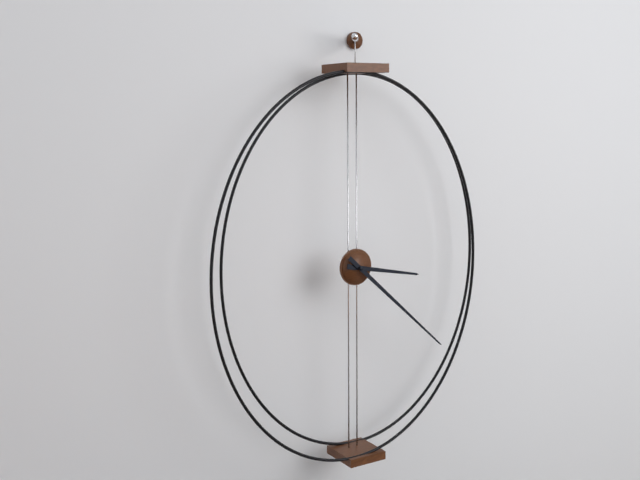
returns {"hour": 3, "minute": 22}
